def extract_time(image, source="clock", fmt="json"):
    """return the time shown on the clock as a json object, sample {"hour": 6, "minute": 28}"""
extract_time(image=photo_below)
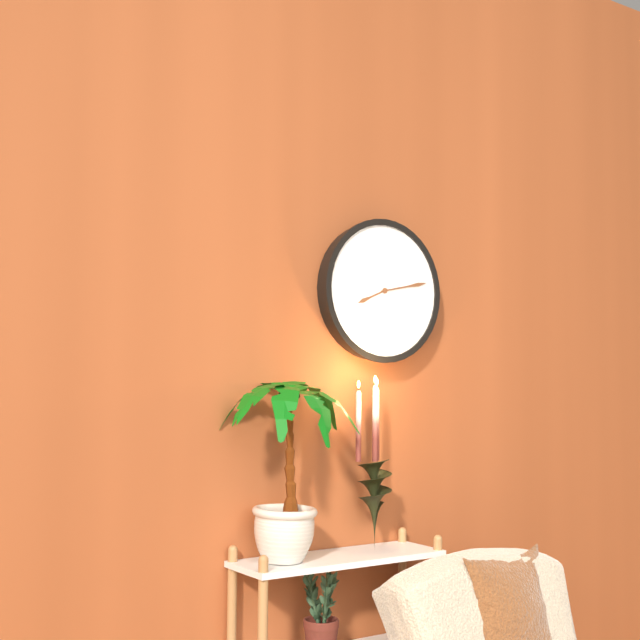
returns {"hour": 8, "minute": 13}
